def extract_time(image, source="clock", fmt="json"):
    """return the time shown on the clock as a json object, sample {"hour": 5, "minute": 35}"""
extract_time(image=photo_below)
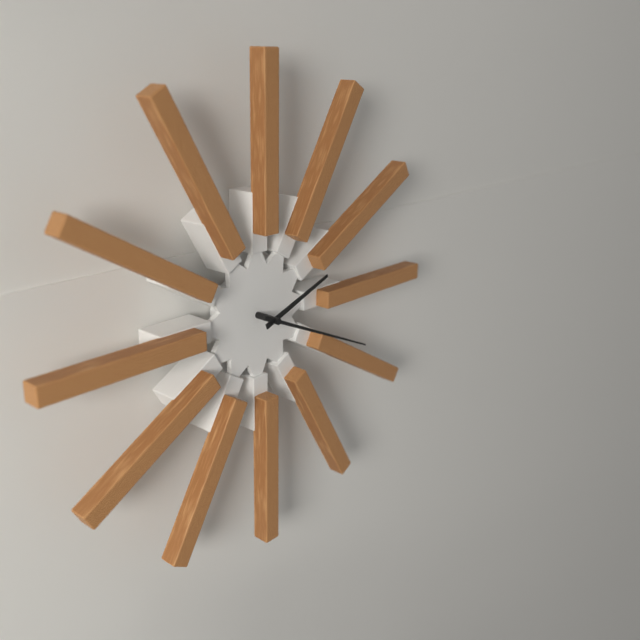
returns {"hour": 2, "minute": 19}
